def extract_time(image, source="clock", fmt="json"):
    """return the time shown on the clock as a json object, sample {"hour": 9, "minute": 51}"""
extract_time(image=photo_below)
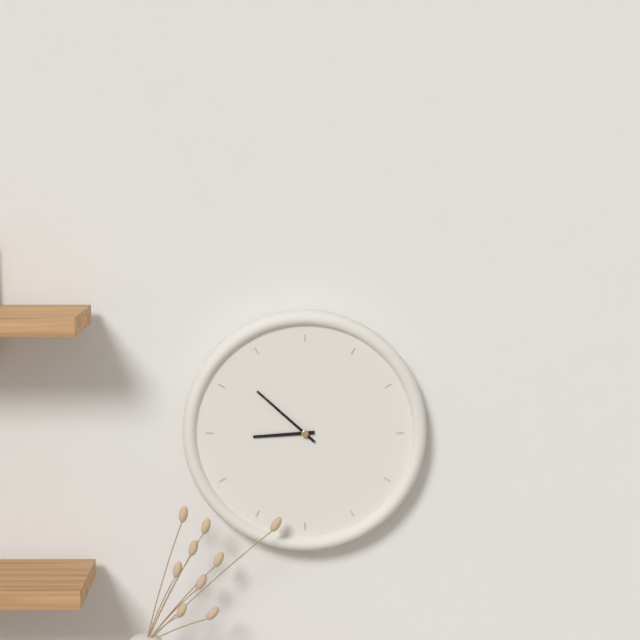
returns {"hour": 8, "minute": 52}
